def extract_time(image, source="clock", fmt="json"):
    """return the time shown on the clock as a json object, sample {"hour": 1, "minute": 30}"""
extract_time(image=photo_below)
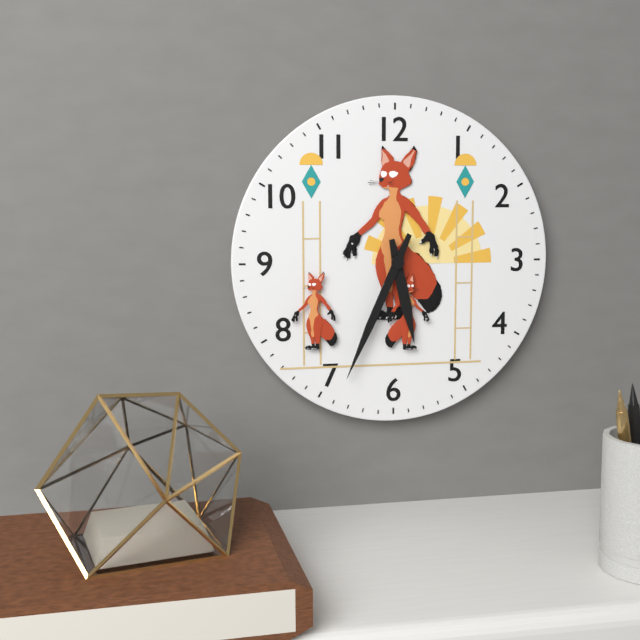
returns {"hour": 5, "minute": 34}
